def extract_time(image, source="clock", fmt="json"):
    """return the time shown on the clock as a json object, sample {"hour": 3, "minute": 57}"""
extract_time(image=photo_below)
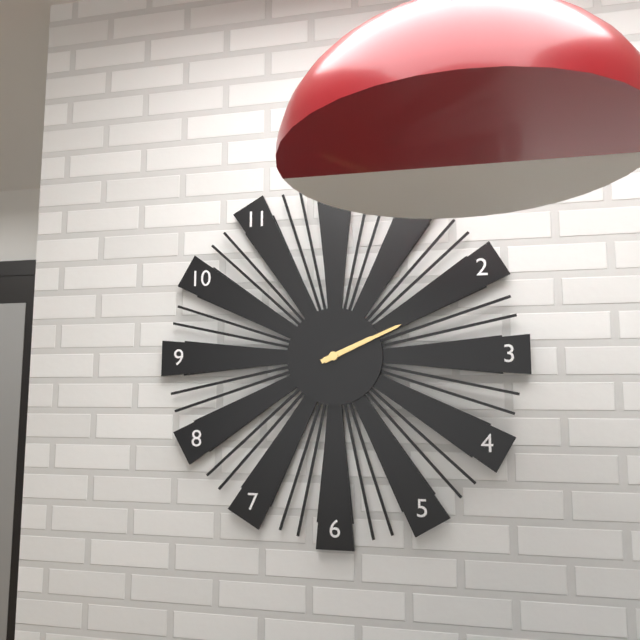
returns {"hour": 2, "minute": 11}
